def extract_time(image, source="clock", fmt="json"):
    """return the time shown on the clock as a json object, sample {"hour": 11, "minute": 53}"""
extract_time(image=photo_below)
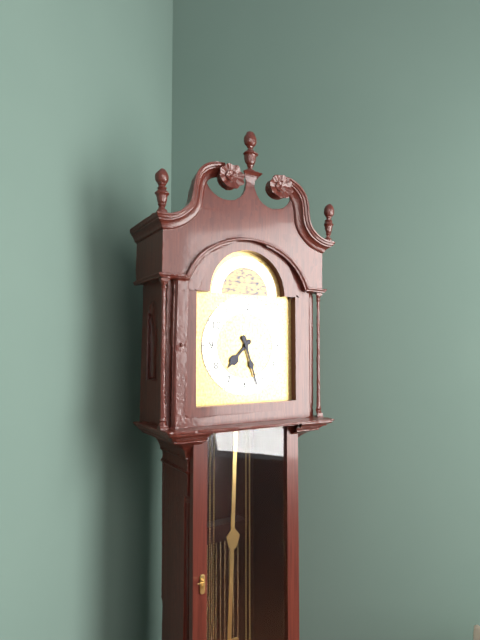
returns {"hour": 7, "minute": 27}
